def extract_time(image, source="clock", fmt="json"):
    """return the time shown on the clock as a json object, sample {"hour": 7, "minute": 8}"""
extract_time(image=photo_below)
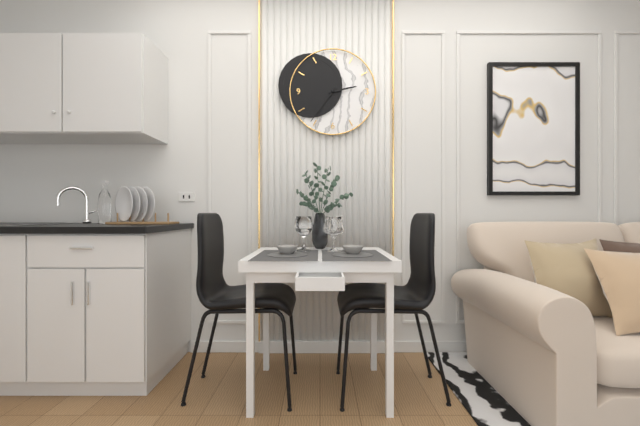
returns {"hour": 2, "minute": 36}
